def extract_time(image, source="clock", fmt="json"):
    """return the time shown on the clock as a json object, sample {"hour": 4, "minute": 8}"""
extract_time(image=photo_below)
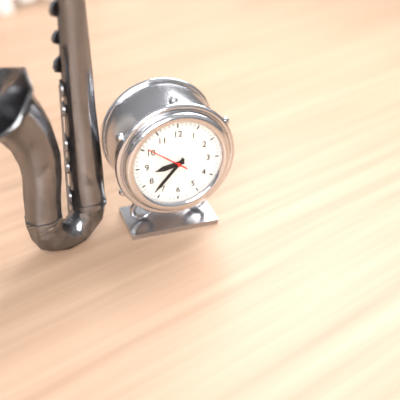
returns {"hour": 8, "minute": 37}
